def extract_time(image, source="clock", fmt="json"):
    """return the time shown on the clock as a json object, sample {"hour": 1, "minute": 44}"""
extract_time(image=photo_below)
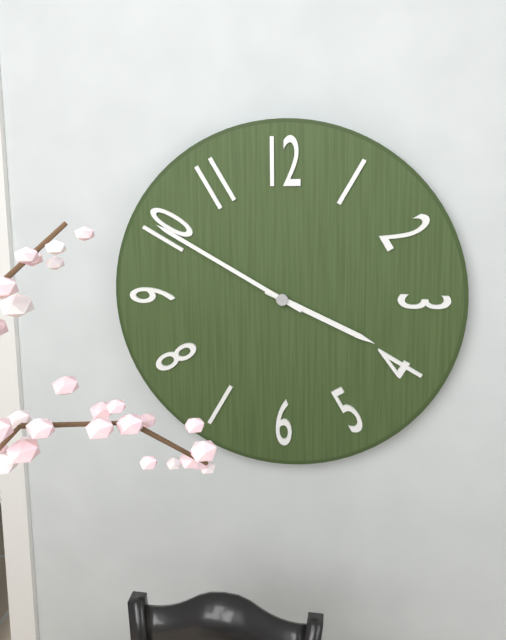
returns {"hour": 3, "minute": 50}
